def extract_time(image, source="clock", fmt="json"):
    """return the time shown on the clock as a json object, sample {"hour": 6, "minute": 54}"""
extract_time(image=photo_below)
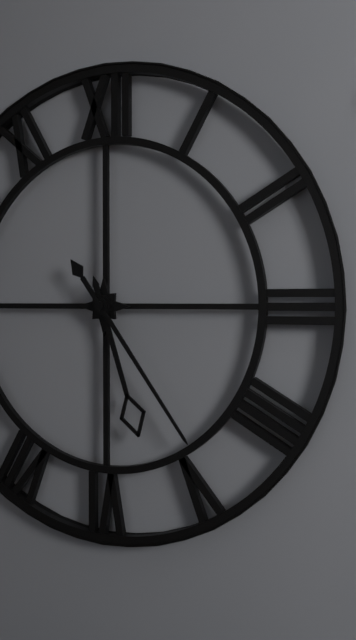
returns {"hour": 5, "minute": 24}
